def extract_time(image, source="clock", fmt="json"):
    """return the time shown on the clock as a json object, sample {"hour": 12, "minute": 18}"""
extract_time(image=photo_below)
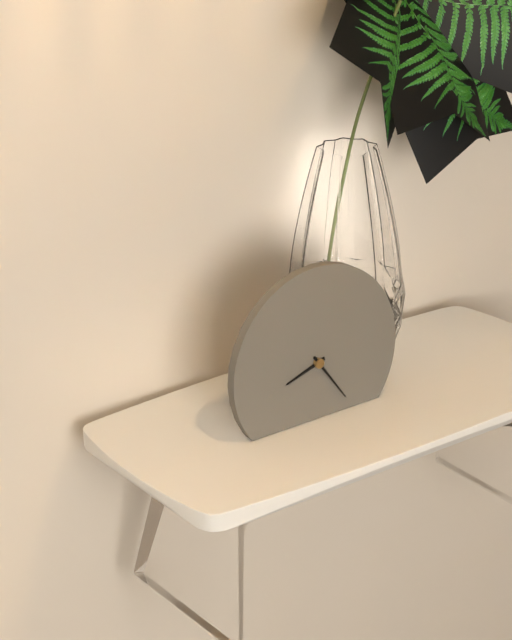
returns {"hour": 8, "minute": 24}
